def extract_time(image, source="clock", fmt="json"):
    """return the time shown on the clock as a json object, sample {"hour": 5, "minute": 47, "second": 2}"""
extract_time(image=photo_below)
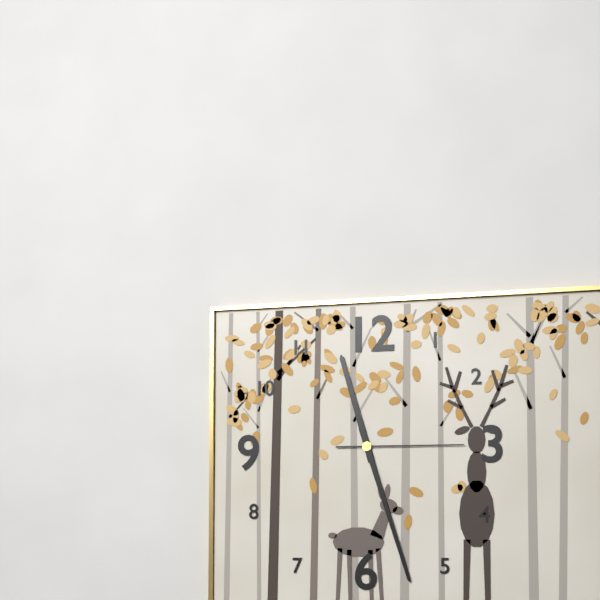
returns {"hour": 11, "minute": 27, "second": 15}
